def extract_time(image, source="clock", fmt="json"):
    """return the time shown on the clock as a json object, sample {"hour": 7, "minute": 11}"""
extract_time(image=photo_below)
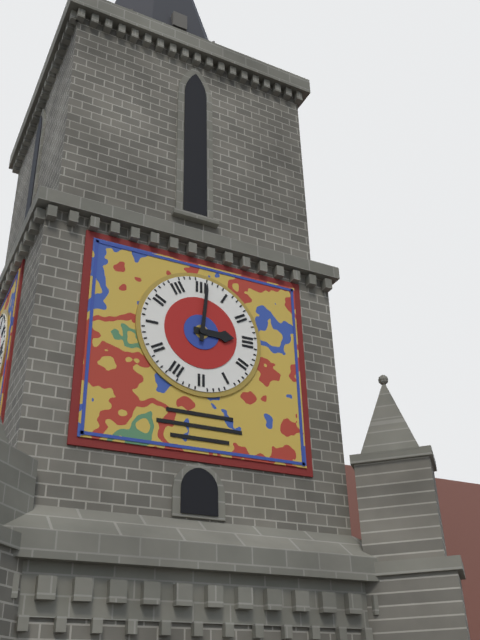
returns {"hour": 3, "minute": 1}
